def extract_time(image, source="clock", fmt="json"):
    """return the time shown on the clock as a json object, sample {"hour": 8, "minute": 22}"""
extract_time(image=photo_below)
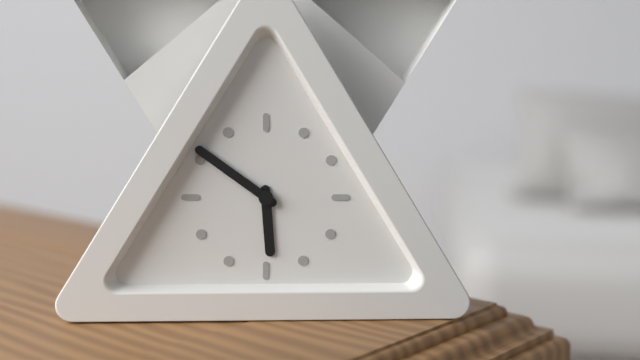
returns {"hour": 5, "minute": 51}
